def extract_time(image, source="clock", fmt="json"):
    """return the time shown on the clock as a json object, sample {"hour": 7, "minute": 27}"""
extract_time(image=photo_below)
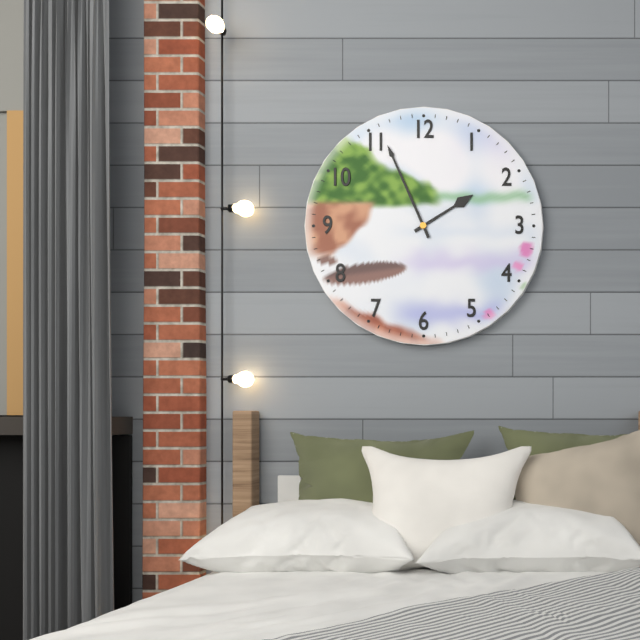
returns {"hour": 1, "minute": 56}
